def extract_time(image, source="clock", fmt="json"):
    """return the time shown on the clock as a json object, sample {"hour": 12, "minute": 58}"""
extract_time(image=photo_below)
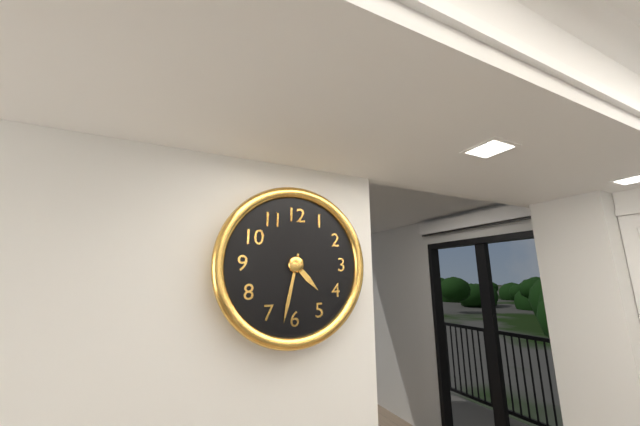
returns {"hour": 4, "minute": 32}
